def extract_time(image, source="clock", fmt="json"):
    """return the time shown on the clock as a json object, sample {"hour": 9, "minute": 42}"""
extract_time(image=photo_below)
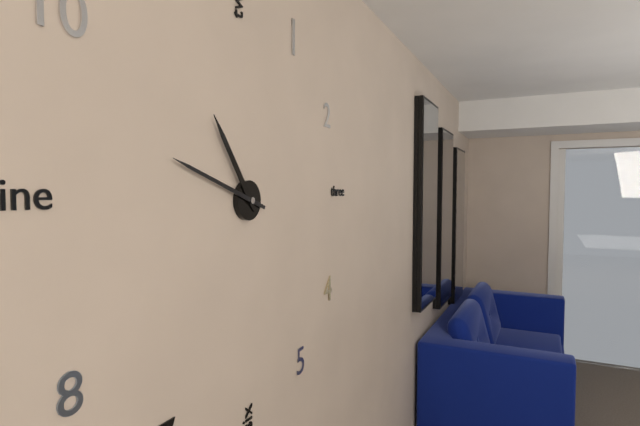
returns {"hour": 10, "minute": 48}
